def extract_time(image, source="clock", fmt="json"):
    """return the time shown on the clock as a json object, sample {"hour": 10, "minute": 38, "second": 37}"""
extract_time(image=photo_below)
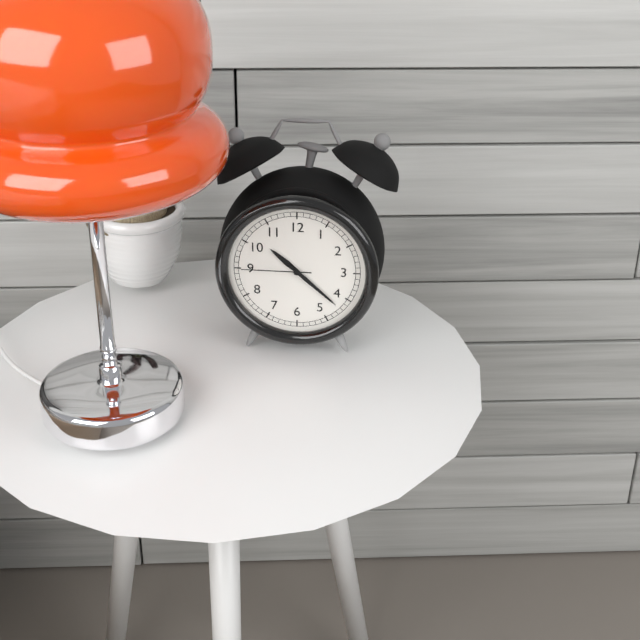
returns {"hour": 10, "minute": 22, "second": 45}
